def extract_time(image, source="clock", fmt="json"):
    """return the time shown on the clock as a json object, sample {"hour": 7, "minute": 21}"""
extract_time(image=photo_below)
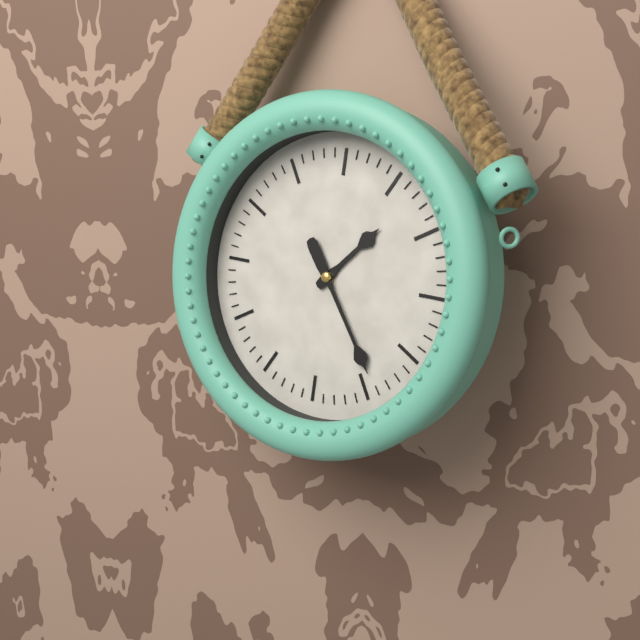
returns {"hour": 1, "minute": 24}
